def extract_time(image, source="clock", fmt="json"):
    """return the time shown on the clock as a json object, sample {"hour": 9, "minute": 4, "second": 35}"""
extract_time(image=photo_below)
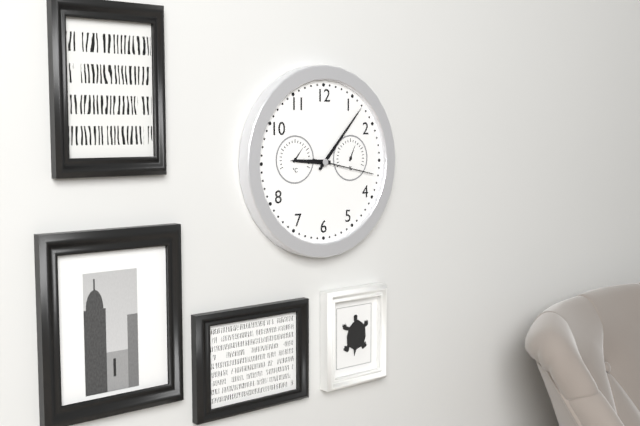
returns {"hour": 9, "minute": 7, "second": 17}
